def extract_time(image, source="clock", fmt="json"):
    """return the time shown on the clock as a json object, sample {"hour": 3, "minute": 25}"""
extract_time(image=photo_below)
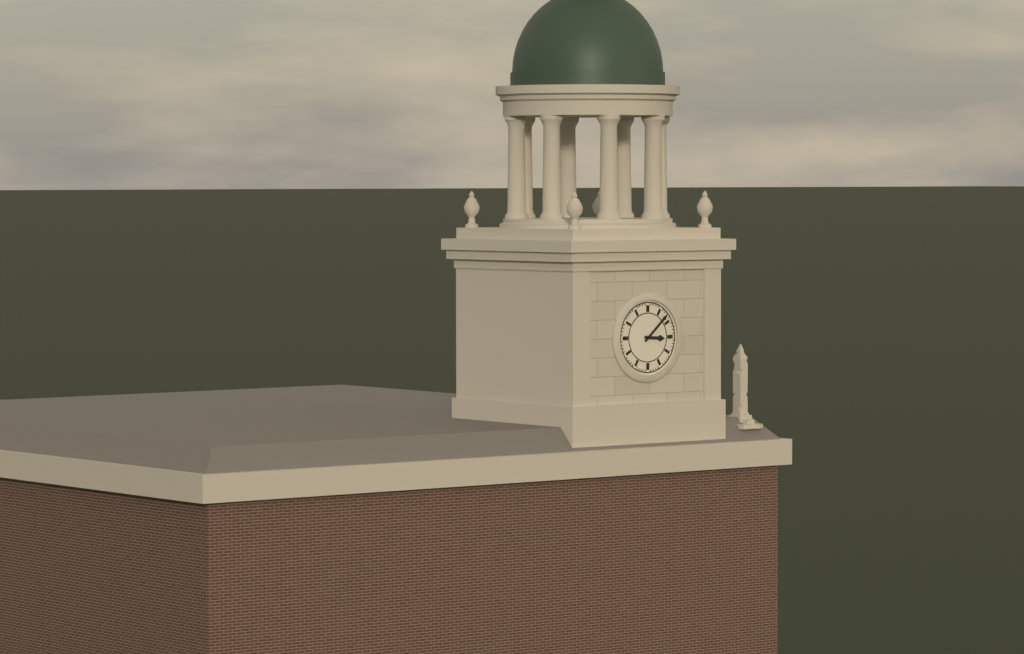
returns {"hour": 3, "minute": 8}
